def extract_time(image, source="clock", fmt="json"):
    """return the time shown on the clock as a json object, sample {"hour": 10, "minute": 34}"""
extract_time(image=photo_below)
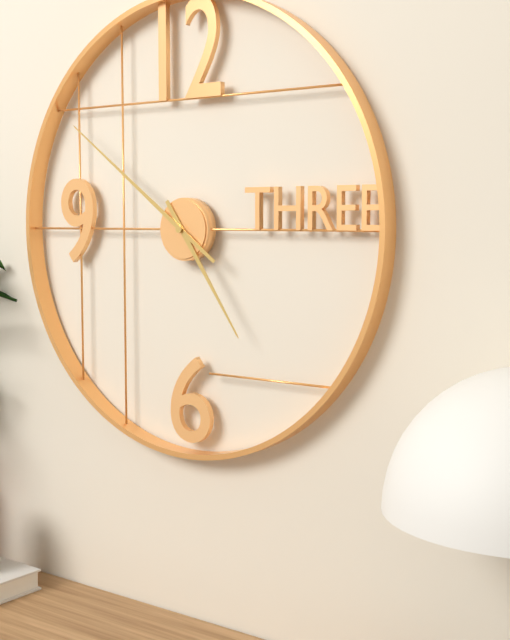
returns {"hour": 4, "minute": 51}
